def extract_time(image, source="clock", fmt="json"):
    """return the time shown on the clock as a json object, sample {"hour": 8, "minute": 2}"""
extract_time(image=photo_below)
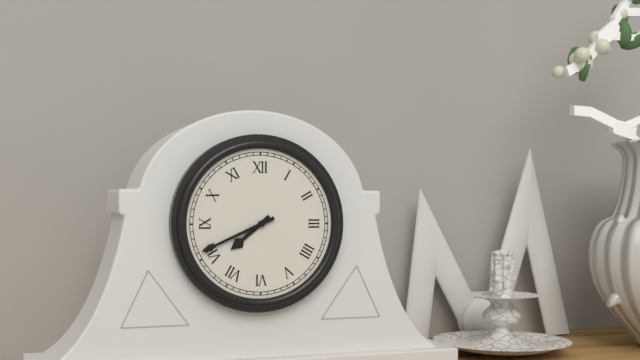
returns {"hour": 7, "minute": 41}
